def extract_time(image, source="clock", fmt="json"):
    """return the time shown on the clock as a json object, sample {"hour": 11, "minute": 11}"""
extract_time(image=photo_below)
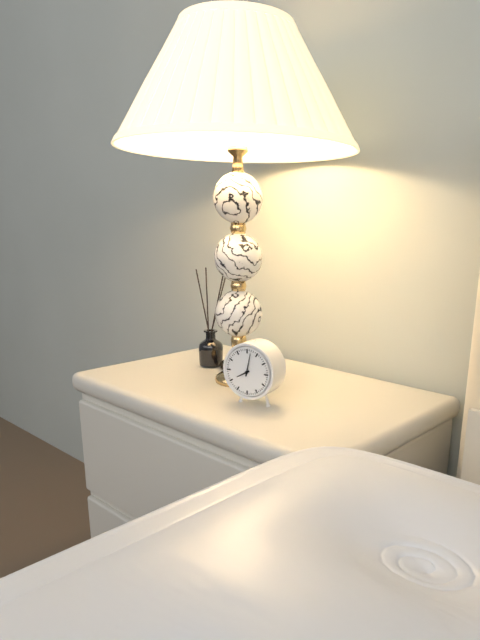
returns {"hour": 8, "minute": 2}
